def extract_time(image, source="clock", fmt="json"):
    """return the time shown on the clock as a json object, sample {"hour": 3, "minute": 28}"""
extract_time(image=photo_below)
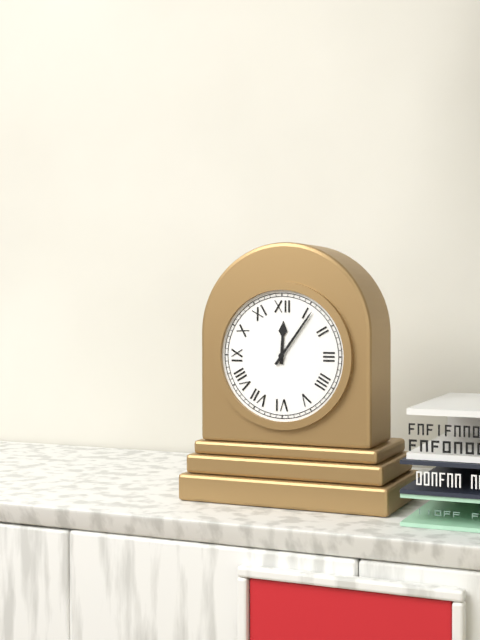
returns {"hour": 12, "minute": 6}
